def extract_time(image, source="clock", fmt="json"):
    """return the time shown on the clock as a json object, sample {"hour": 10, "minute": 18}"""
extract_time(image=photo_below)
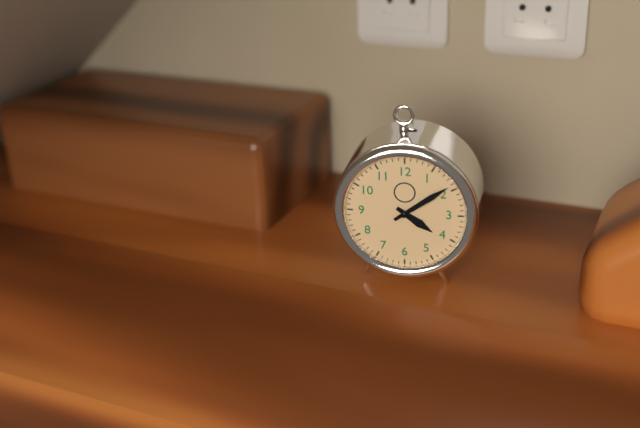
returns {"hour": 4, "minute": 9}
